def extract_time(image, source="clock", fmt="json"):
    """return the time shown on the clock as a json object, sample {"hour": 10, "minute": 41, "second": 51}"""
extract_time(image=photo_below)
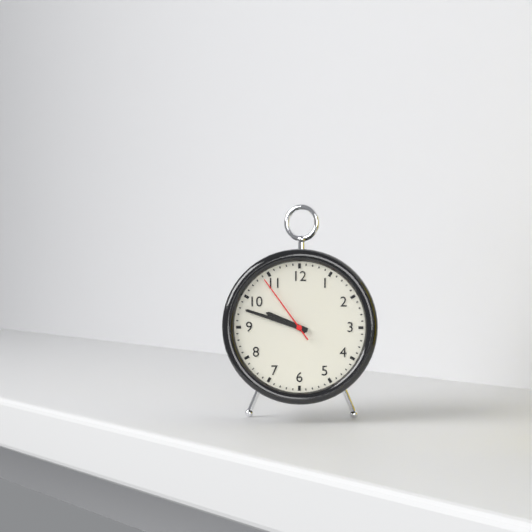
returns {"hour": 9, "minute": 48, "second": 54}
